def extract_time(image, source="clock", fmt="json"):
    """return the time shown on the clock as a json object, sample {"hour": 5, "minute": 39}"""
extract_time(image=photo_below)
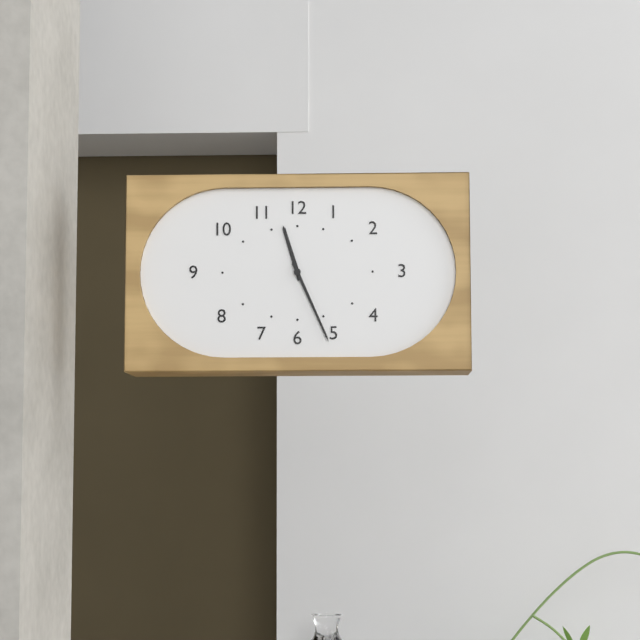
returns {"hour": 11, "minute": 26}
